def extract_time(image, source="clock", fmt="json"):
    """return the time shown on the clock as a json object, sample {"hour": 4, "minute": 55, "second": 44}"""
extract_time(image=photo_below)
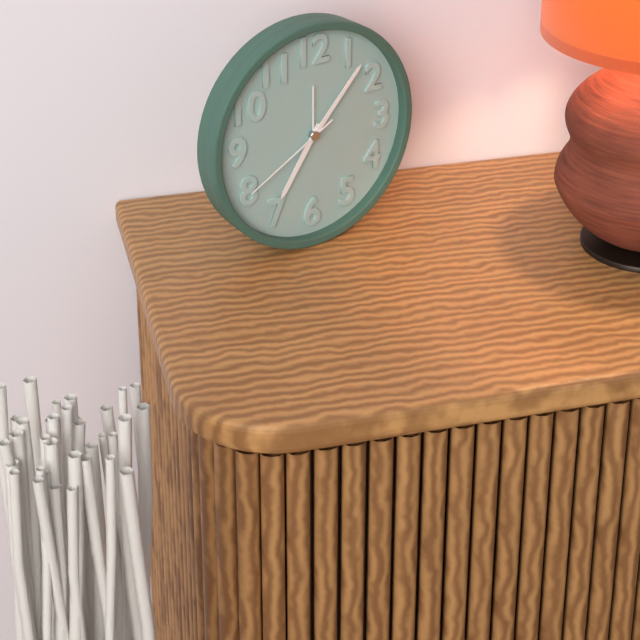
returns {"hour": 7, "minute": 7, "second": 40}
